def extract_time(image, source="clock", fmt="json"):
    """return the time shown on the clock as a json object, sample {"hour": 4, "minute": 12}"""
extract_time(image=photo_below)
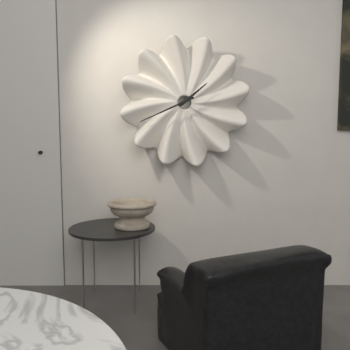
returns {"hour": 1, "minute": 41}
